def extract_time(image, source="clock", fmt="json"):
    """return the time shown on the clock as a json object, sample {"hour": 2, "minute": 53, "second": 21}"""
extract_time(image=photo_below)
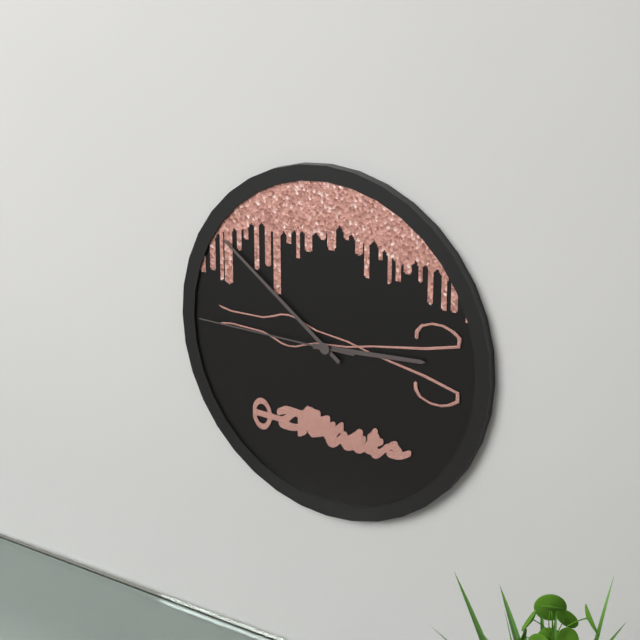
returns {"hour": 2, "minute": 51, "second": 45}
